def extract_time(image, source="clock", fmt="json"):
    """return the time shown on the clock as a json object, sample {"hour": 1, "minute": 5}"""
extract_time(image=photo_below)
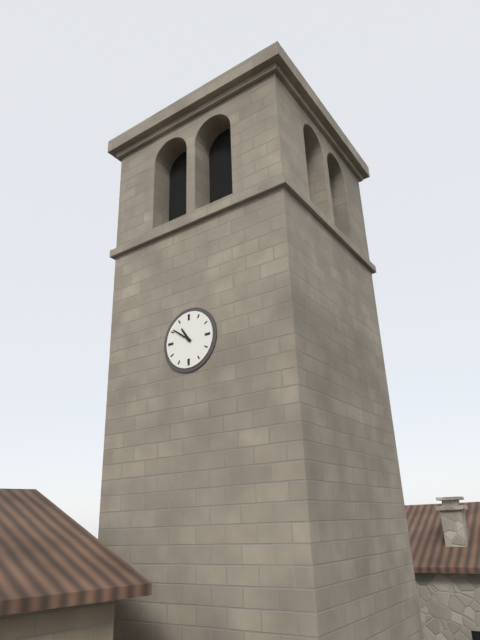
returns {"hour": 10, "minute": 51}
